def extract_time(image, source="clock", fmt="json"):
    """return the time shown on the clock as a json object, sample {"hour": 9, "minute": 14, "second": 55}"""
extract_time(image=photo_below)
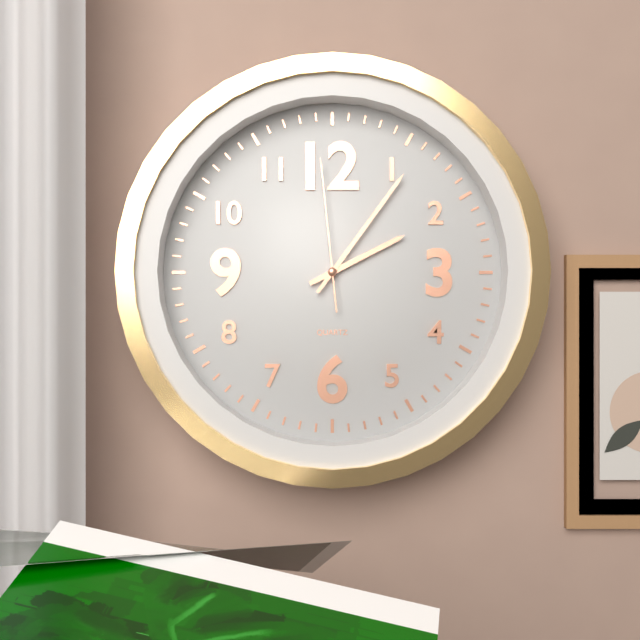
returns {"hour": 2, "minute": 6, "second": 59}
